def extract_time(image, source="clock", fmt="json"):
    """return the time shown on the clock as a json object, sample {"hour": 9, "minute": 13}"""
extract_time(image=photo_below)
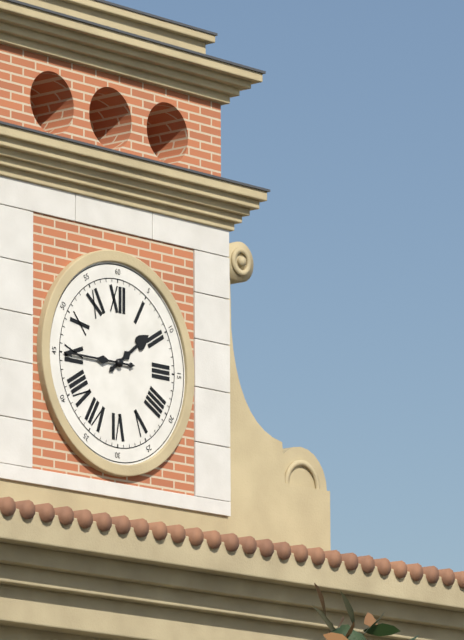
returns {"hour": 1, "minute": 45}
